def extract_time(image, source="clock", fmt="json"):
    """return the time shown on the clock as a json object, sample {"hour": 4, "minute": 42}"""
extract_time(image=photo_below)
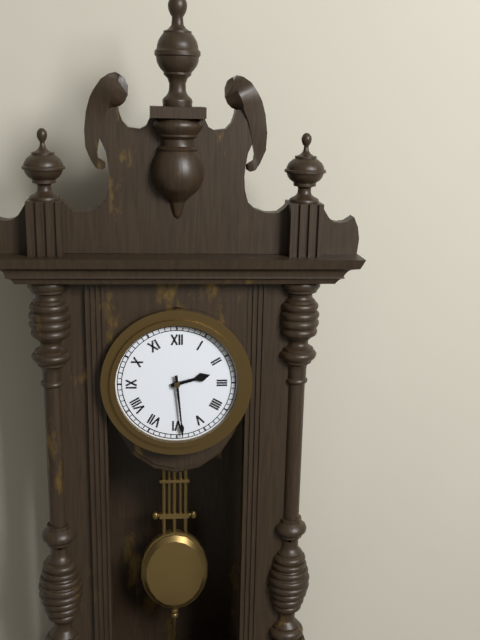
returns {"hour": 2, "minute": 29}
